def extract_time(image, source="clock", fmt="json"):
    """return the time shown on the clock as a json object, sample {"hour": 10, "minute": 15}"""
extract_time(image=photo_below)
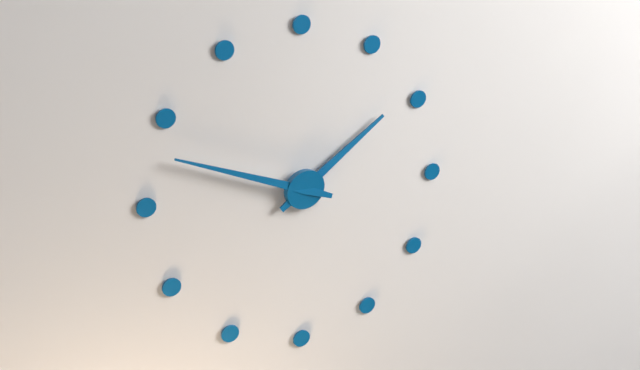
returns {"hour": 1, "minute": 48}
